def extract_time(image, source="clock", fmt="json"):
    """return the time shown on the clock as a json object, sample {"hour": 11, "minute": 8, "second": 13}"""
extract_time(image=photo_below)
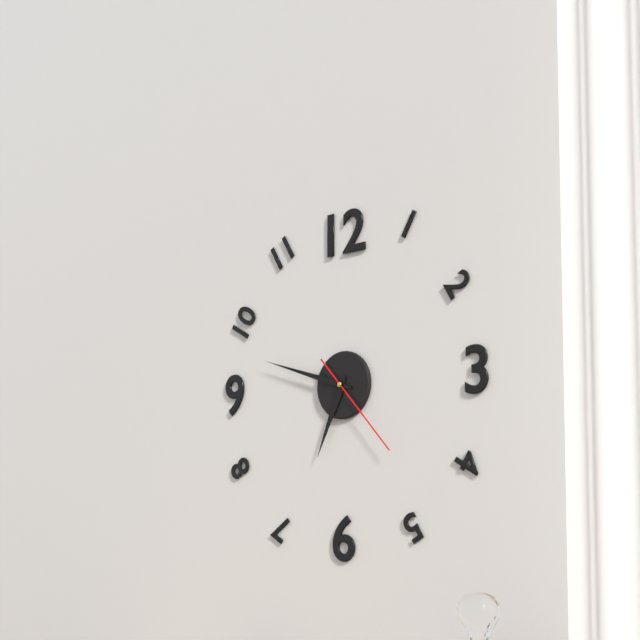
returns {"hour": 6, "minute": 48, "second": 23}
